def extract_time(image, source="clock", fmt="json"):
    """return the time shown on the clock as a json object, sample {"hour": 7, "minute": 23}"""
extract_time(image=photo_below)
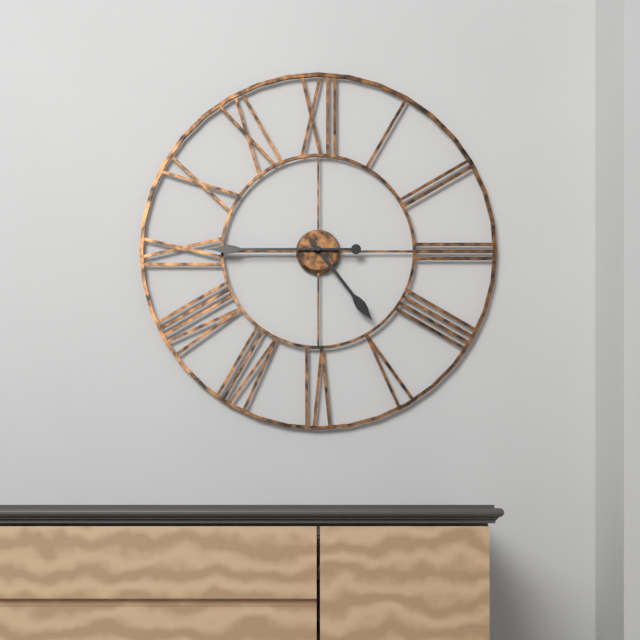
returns {"hour": 4, "minute": 45}
